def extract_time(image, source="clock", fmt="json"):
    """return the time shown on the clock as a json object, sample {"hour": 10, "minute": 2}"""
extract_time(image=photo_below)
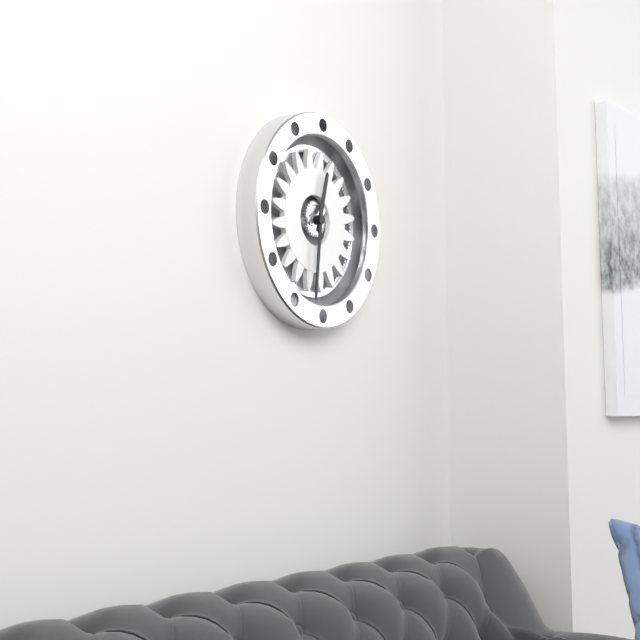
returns {"hour": 12, "minute": 31}
